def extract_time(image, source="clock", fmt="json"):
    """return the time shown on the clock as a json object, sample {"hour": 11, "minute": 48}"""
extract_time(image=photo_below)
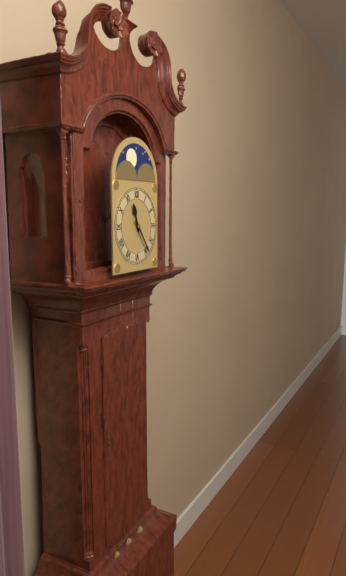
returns {"hour": 11, "minute": 24}
